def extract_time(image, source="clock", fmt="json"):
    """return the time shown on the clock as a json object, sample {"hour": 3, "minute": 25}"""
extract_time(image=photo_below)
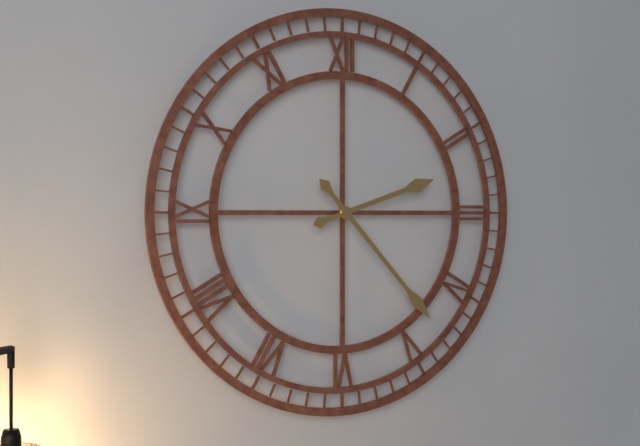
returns {"hour": 2, "minute": 23}
